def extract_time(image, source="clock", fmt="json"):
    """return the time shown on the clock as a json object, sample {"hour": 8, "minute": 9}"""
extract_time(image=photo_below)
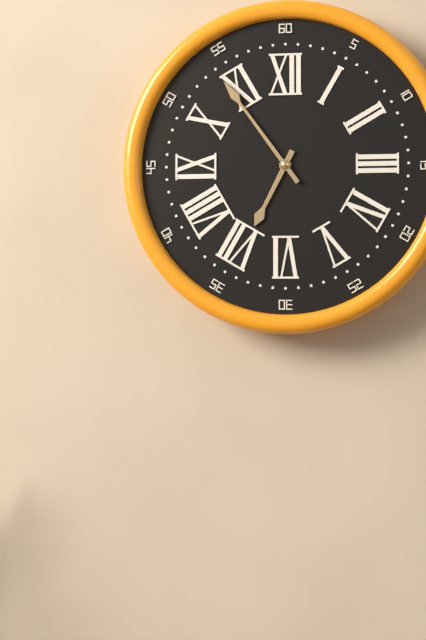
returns {"hour": 6, "minute": 54}
